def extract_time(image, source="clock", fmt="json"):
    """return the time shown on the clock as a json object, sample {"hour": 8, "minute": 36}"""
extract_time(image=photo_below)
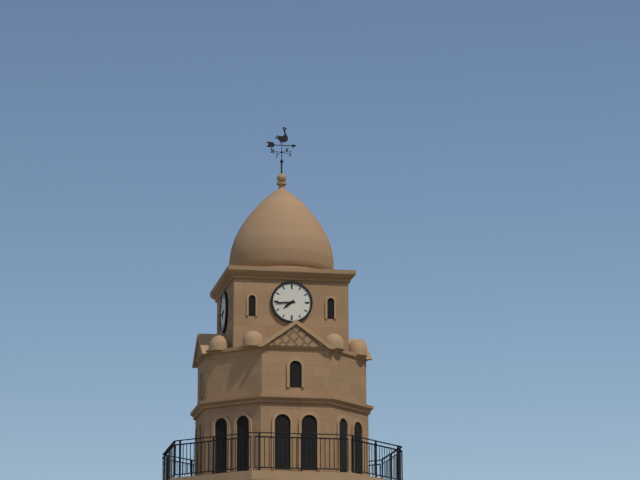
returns {"hour": 7, "minute": 44}
